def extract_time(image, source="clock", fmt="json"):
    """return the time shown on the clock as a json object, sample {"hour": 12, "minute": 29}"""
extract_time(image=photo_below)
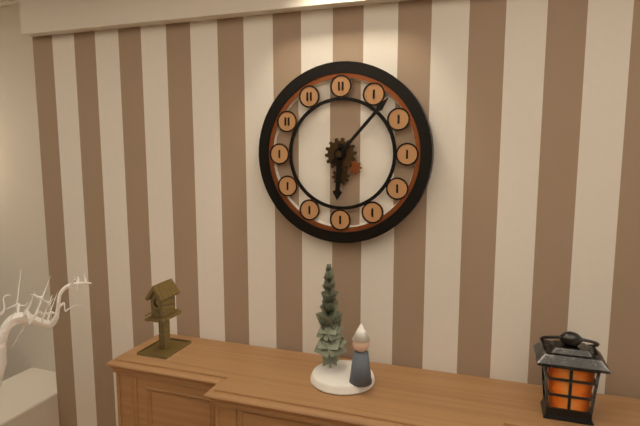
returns {"hour": 6, "minute": 7}
